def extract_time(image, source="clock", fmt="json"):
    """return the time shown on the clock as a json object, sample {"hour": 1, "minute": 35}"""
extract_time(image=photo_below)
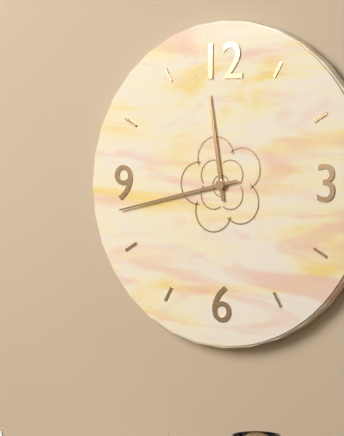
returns {"hour": 11, "minute": 43}
